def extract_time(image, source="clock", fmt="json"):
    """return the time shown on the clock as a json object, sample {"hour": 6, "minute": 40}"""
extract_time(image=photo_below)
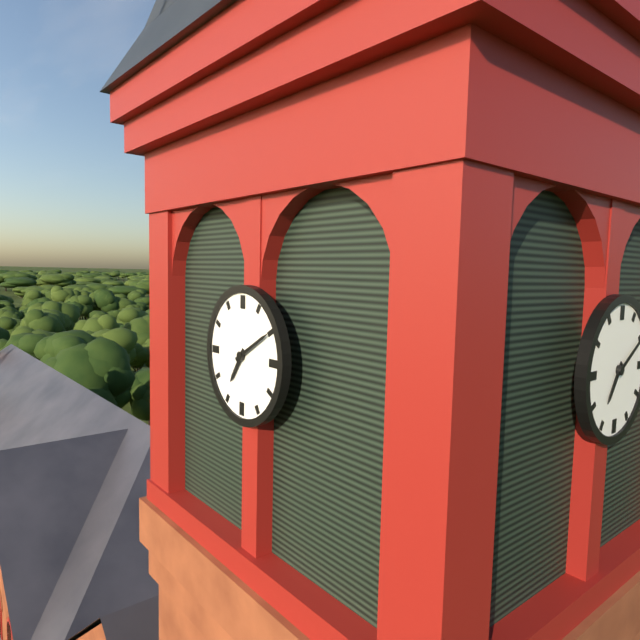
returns {"hour": 7, "minute": 10}
